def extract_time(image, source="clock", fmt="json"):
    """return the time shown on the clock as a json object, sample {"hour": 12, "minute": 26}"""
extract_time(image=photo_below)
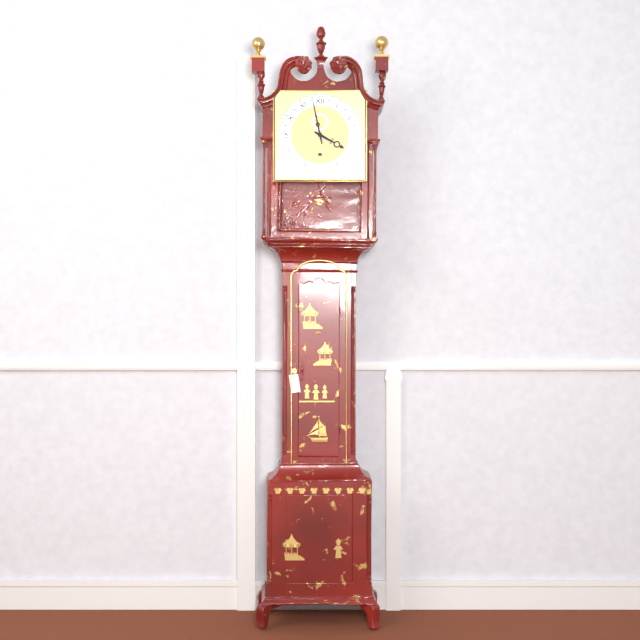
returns {"hour": 3, "minute": 58}
